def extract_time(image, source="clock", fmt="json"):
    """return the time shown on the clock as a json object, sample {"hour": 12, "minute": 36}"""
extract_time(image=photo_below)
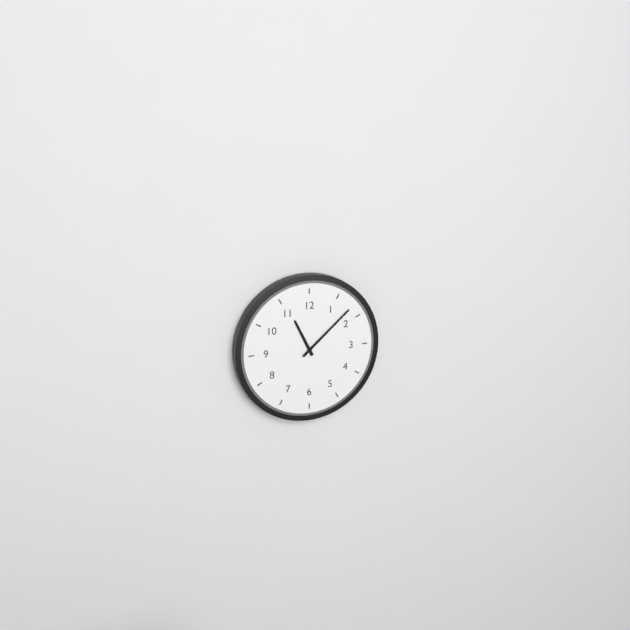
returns {"hour": 11, "minute": 8}
